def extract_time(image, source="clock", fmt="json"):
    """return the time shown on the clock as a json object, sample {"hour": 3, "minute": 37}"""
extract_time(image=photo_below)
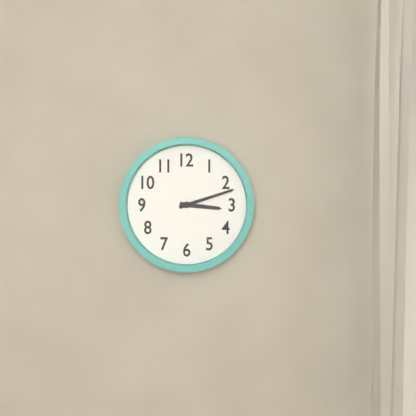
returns {"hour": 3, "minute": 12}
